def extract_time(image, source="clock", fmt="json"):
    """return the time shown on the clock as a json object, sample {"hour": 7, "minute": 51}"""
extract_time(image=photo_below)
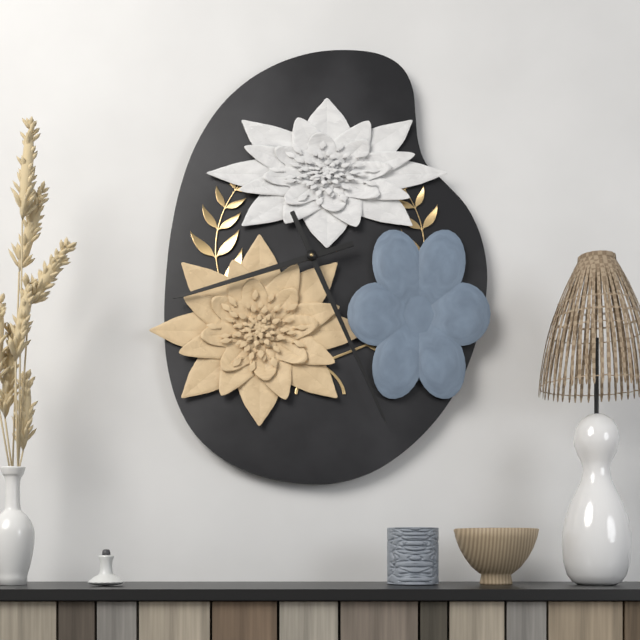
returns {"hour": 8, "minute": 26}
